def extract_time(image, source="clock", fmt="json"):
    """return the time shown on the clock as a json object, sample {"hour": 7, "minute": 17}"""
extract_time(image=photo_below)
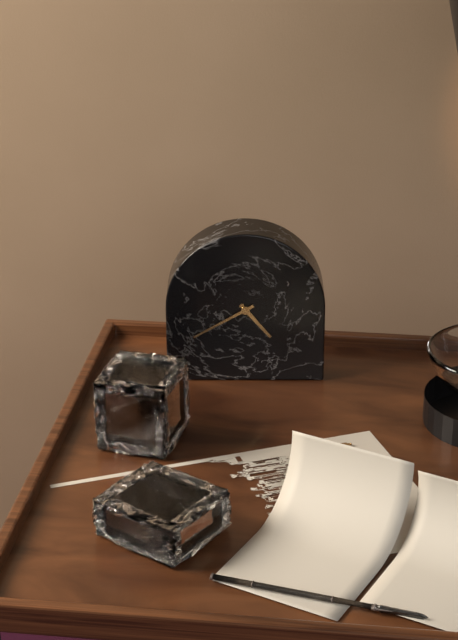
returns {"hour": 4, "minute": 40}
